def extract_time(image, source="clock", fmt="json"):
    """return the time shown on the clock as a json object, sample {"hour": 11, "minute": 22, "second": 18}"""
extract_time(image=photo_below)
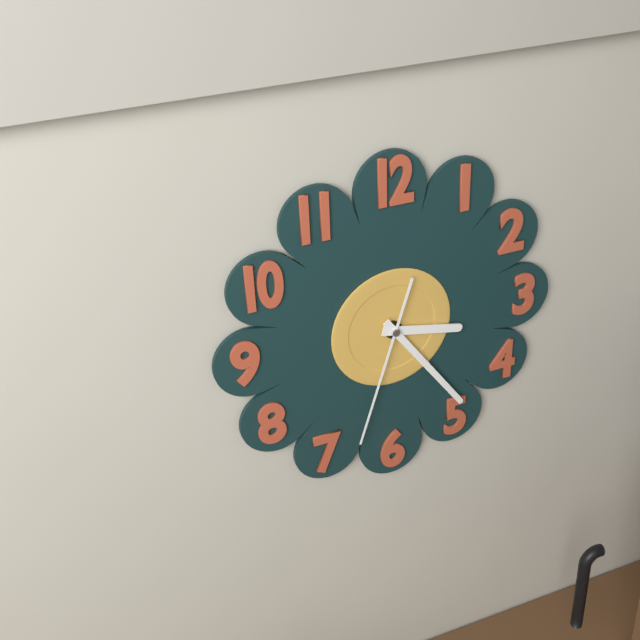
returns {"hour": 3, "minute": 24, "second": 33}
